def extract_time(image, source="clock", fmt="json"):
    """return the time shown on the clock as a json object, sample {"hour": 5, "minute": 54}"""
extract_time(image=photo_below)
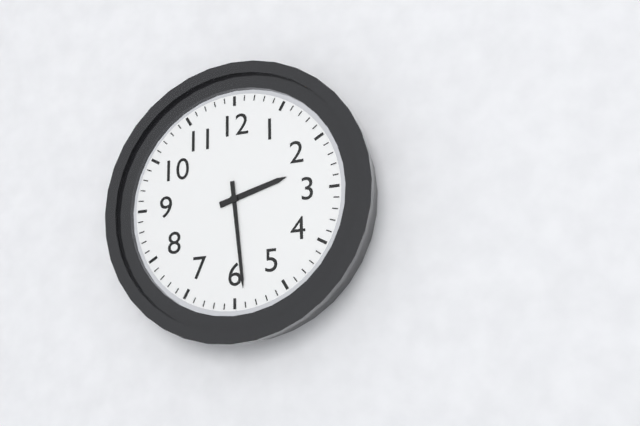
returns {"hour": 2, "minute": 29}
